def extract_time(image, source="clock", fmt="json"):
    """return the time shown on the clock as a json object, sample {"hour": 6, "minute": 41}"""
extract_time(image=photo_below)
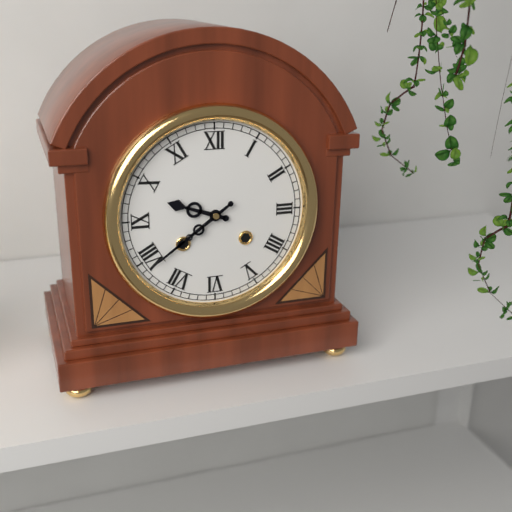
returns {"hour": 9, "minute": 39}
